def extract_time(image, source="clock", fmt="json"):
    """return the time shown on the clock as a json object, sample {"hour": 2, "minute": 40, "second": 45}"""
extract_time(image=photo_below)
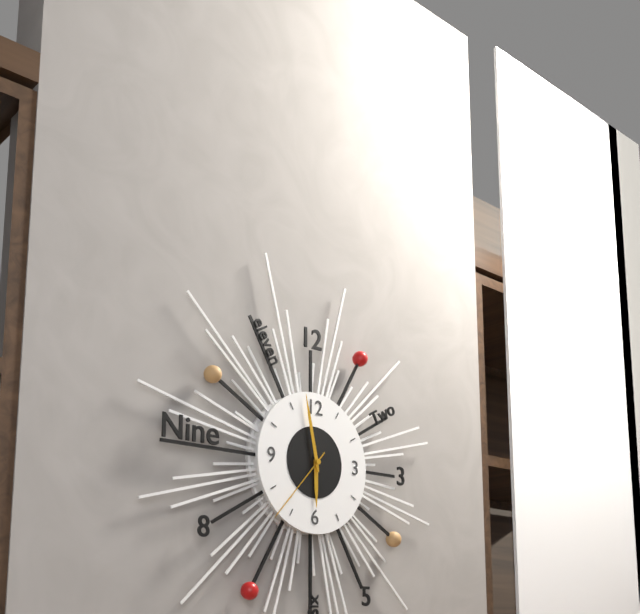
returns {"hour": 5, "minute": 58, "second": 37}
